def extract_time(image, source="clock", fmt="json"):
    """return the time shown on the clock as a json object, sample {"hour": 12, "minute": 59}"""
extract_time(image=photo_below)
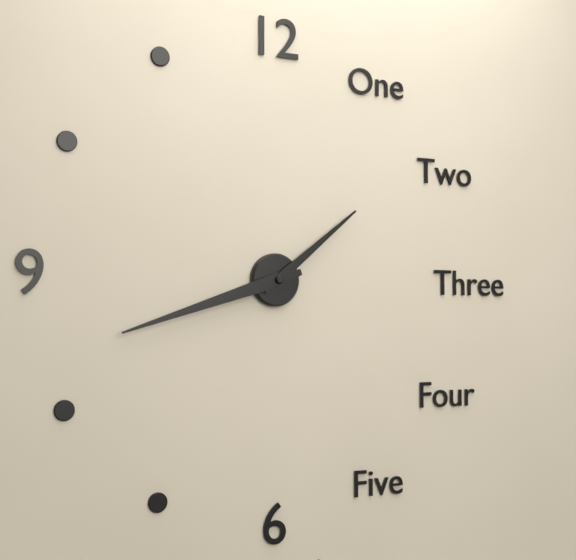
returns {"hour": 1, "minute": 42}
